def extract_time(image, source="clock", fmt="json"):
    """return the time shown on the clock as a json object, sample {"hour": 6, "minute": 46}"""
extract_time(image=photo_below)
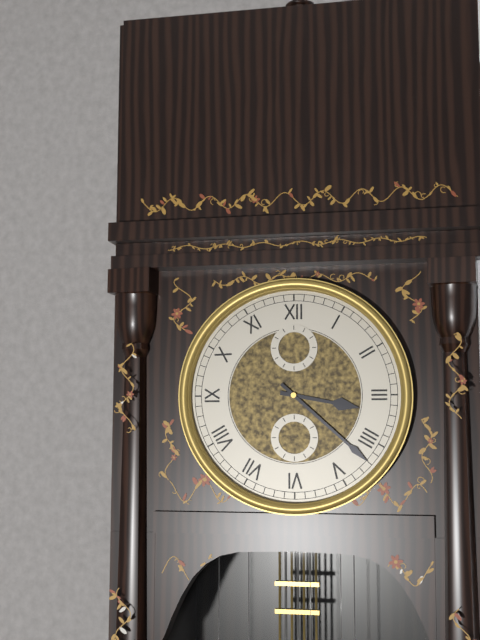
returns {"hour": 3, "minute": 22}
